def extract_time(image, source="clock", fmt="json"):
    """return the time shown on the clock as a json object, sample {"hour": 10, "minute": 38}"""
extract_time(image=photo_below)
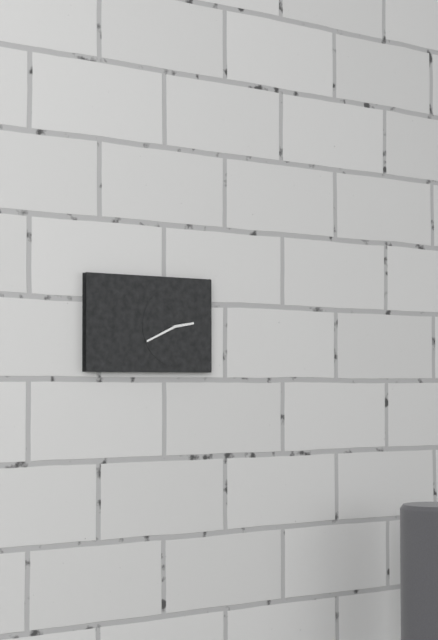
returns {"hour": 2, "minute": 41}
